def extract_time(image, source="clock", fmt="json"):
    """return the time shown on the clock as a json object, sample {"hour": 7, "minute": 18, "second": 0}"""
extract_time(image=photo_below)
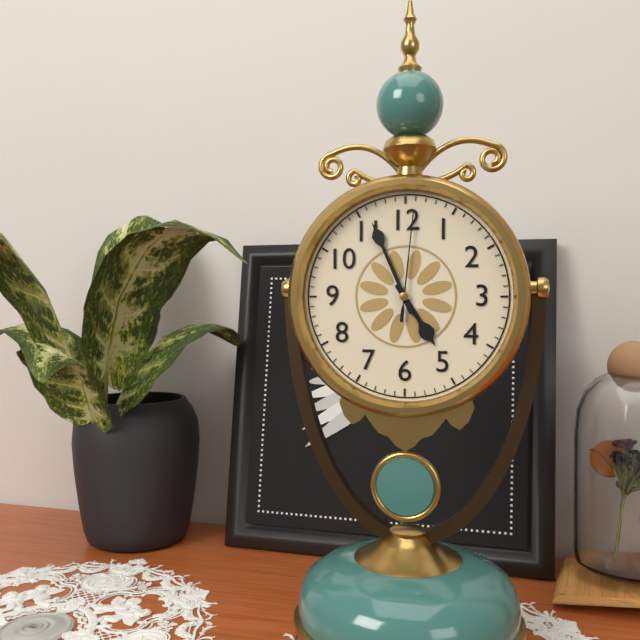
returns {"hour": 4, "minute": 56, "second": 1}
